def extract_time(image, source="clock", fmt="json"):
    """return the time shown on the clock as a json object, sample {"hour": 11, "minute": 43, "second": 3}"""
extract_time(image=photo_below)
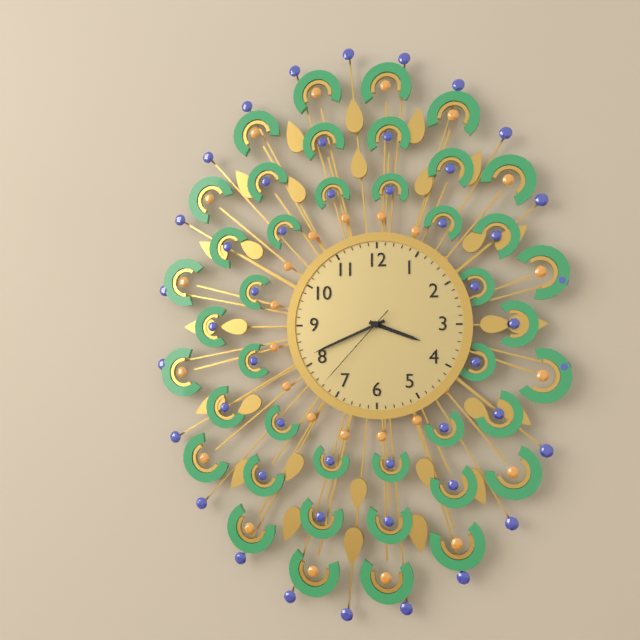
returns {"hour": 3, "minute": 41, "second": 37}
